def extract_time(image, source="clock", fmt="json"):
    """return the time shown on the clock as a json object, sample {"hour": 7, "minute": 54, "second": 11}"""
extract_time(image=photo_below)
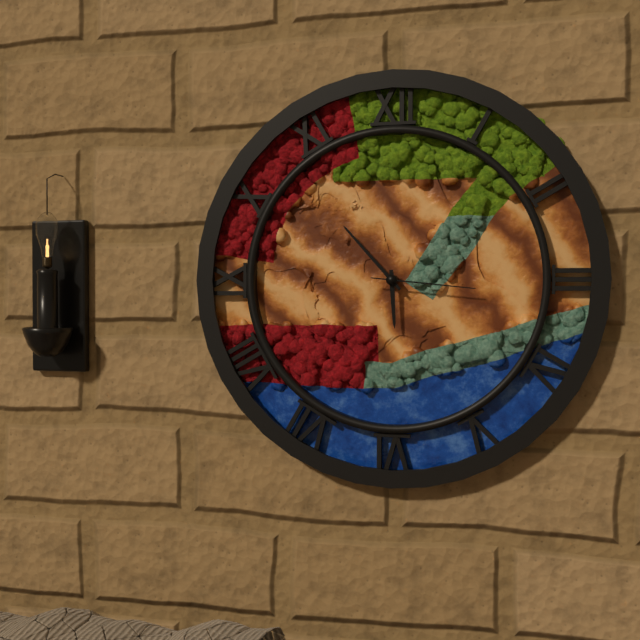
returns {"hour": 5, "minute": 53, "second": 16}
